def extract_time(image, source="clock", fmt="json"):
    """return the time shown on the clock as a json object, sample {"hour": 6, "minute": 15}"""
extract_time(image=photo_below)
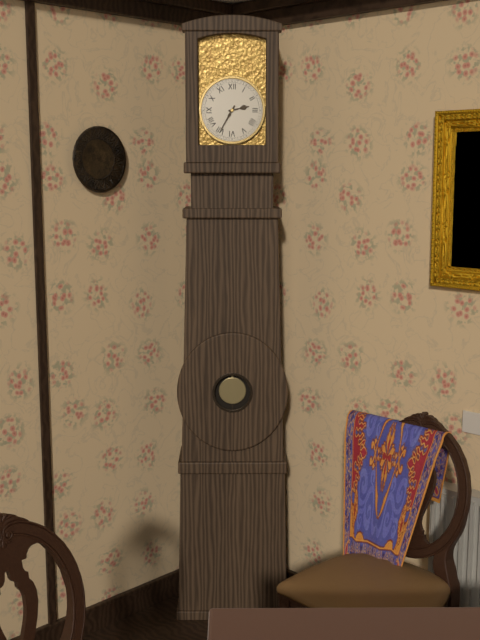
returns {"hour": 2, "minute": 35}
